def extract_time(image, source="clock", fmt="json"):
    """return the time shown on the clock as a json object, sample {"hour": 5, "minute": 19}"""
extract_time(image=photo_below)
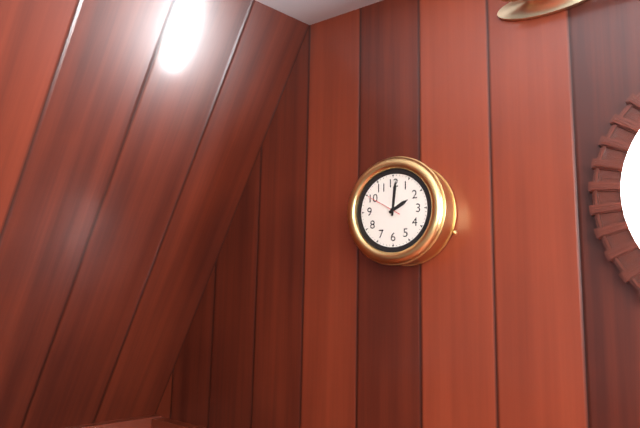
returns {"hour": 2, "minute": 1}
